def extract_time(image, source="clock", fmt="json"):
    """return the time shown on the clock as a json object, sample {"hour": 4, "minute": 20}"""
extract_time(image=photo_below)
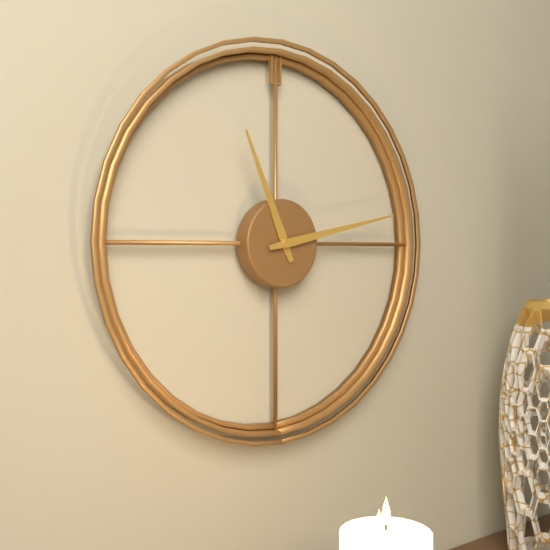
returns {"hour": 11, "minute": 13}
